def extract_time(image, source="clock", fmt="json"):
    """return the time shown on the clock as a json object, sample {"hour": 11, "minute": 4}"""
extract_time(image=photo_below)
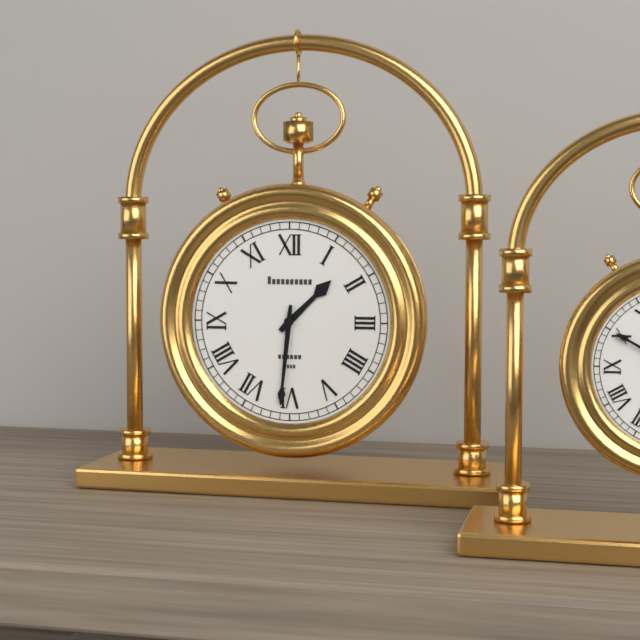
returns {"hour": 1, "minute": 31}
